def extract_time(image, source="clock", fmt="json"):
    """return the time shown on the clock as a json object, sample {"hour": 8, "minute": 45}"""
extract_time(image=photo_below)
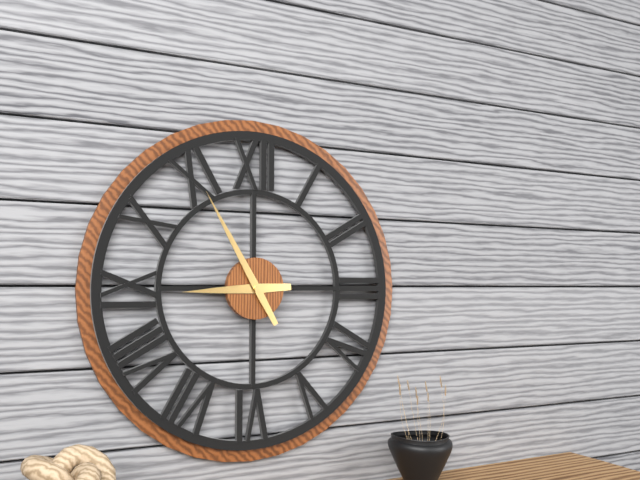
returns {"hour": 8, "minute": 55}
